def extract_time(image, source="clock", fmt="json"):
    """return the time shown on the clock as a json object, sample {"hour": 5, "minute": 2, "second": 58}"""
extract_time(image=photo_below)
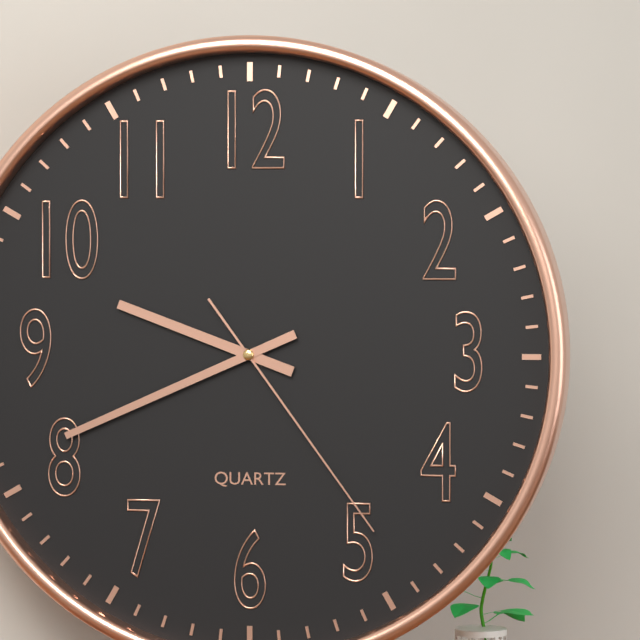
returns {"hour": 9, "minute": 41, "second": 24}
